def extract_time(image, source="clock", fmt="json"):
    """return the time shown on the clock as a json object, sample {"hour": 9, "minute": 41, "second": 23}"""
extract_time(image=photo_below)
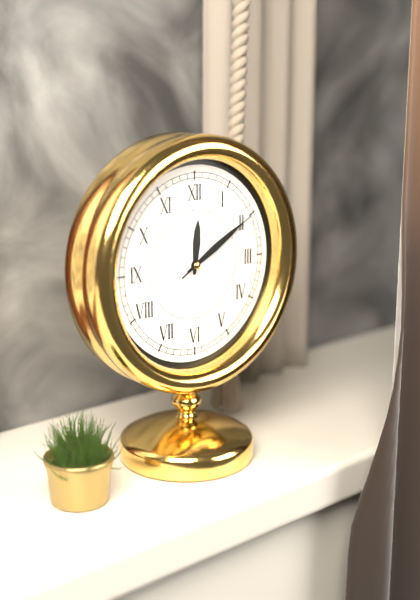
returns {"hour": 12, "minute": 10, "second": 10}
